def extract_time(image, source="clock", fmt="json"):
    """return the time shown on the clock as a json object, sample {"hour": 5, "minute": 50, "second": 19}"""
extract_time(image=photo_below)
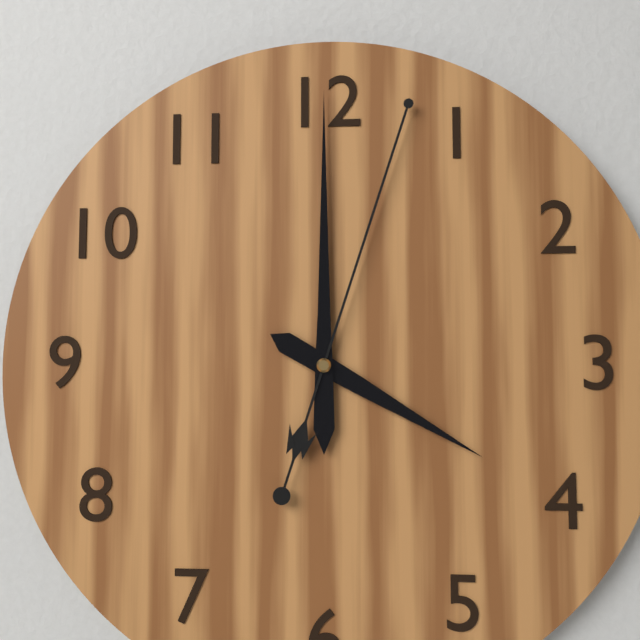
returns {"hour": 4, "minute": 0, "second": 3}
